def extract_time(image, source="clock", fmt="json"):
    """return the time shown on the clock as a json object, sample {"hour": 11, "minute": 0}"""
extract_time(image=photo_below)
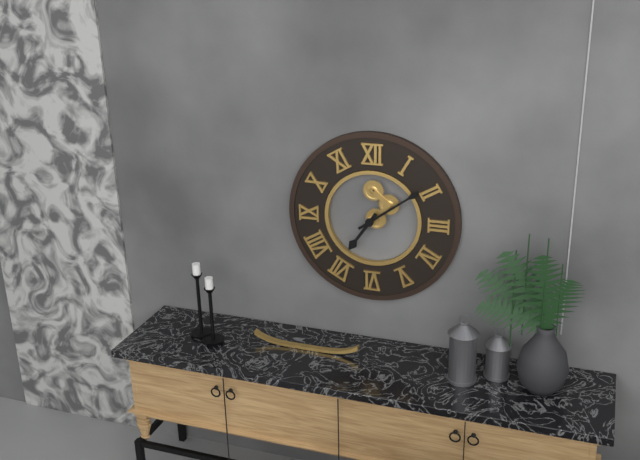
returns {"hour": 7, "minute": 9}
